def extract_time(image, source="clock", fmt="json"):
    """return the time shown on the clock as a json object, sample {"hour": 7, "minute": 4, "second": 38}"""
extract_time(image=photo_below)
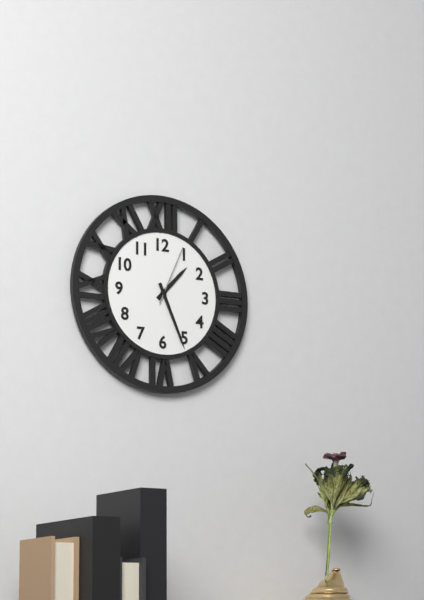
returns {"hour": 1, "minute": 26, "second": 4}
